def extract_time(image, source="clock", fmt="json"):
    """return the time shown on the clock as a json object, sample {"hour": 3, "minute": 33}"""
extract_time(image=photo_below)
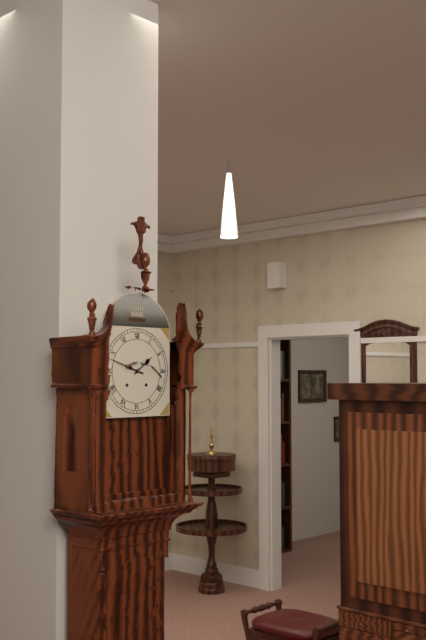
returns {"hour": 1, "minute": 48}
